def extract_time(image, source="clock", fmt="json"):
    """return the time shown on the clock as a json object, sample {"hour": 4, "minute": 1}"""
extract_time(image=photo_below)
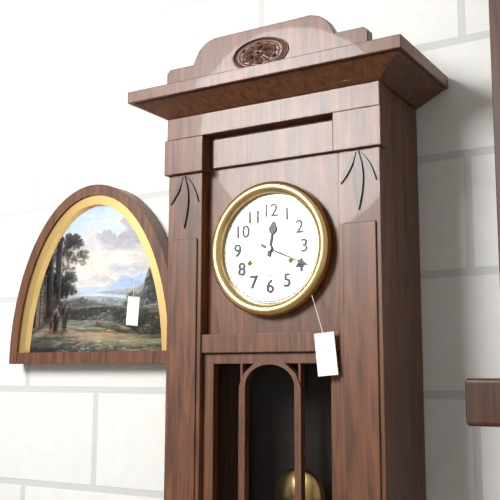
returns {"hour": 12, "minute": 19}
